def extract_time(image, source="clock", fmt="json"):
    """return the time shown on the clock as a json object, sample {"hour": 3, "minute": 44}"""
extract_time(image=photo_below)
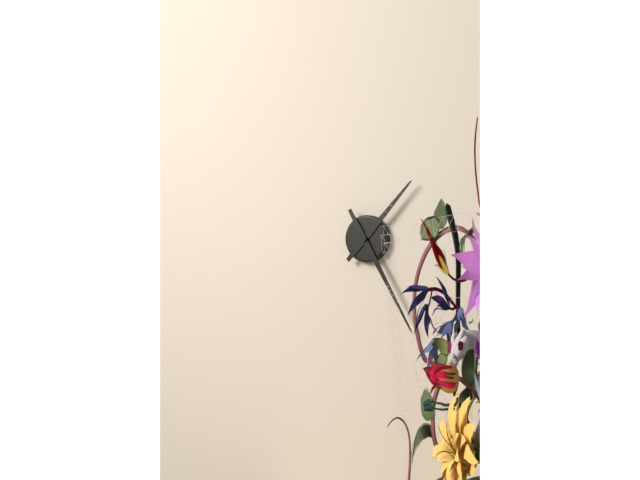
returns {"hour": 1, "minute": 25}
